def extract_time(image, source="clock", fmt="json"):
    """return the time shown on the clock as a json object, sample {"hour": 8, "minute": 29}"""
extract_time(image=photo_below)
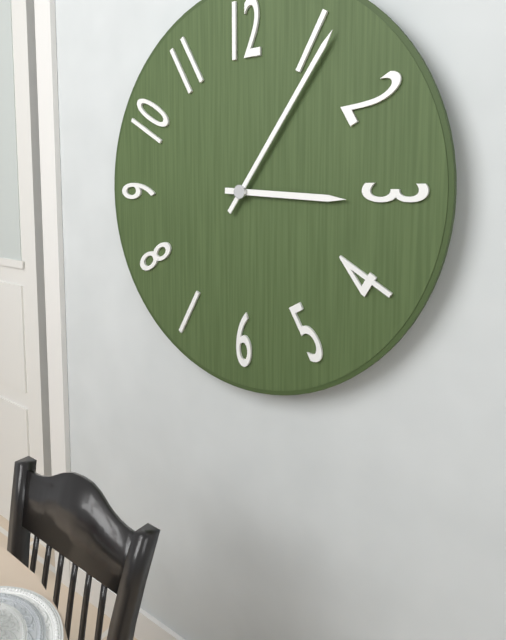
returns {"hour": 3, "minute": 6}
